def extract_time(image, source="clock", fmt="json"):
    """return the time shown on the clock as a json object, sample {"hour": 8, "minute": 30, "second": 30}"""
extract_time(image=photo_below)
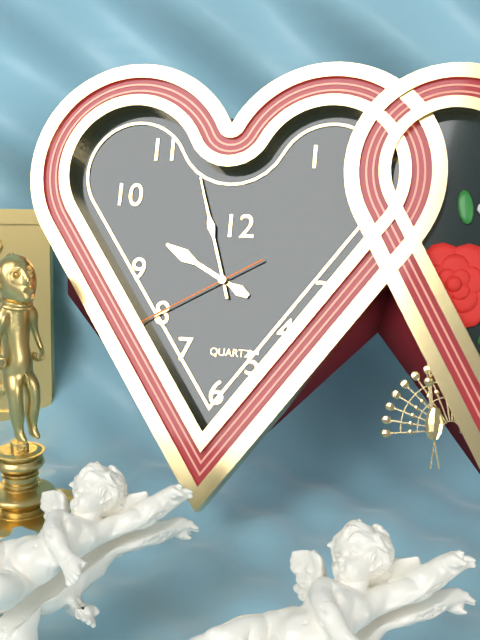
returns {"hour": 9, "minute": 57, "second": 40}
